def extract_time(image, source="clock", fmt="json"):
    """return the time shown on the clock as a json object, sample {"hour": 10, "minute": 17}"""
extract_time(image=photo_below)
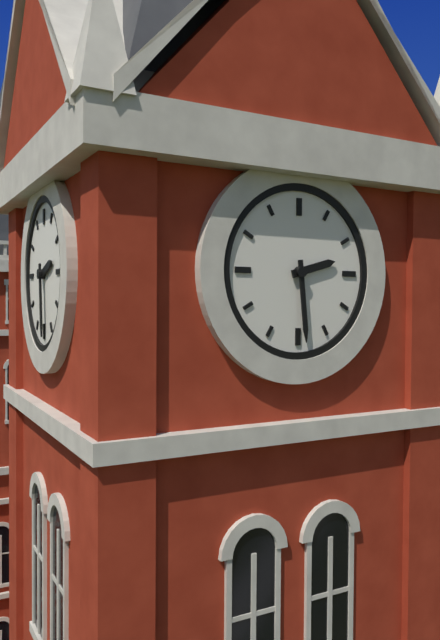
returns {"hour": 2, "minute": 29}
